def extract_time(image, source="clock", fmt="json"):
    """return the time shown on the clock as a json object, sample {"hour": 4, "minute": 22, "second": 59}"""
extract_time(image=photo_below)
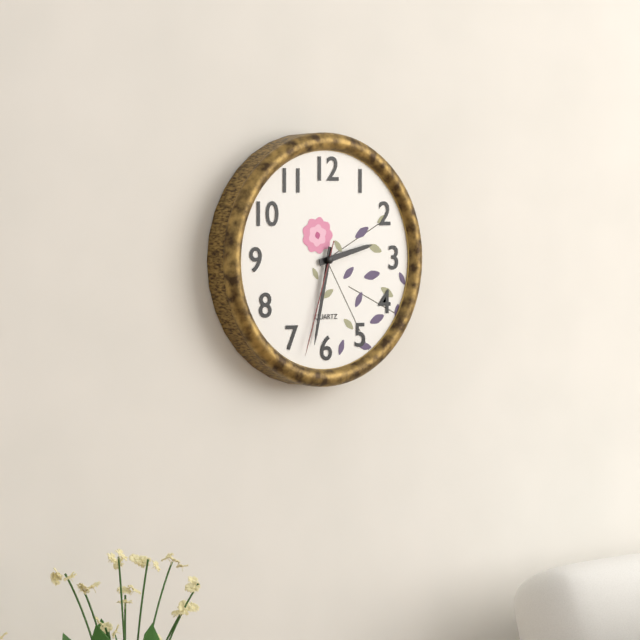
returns {"hour": 2, "minute": 32, "second": 33}
